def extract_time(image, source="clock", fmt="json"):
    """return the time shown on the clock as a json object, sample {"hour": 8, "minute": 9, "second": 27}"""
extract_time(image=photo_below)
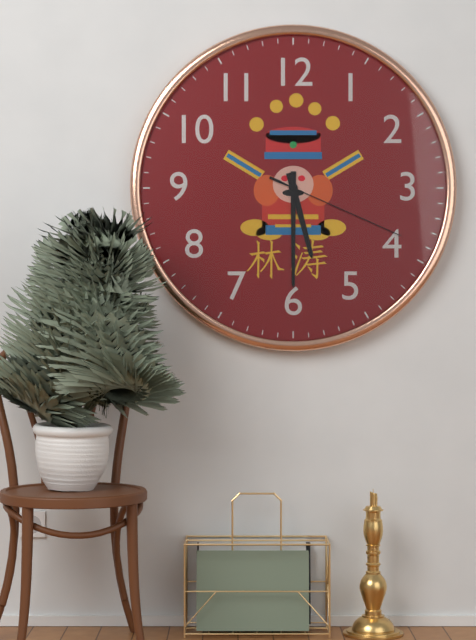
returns {"hour": 5, "minute": 30, "second": 19}
